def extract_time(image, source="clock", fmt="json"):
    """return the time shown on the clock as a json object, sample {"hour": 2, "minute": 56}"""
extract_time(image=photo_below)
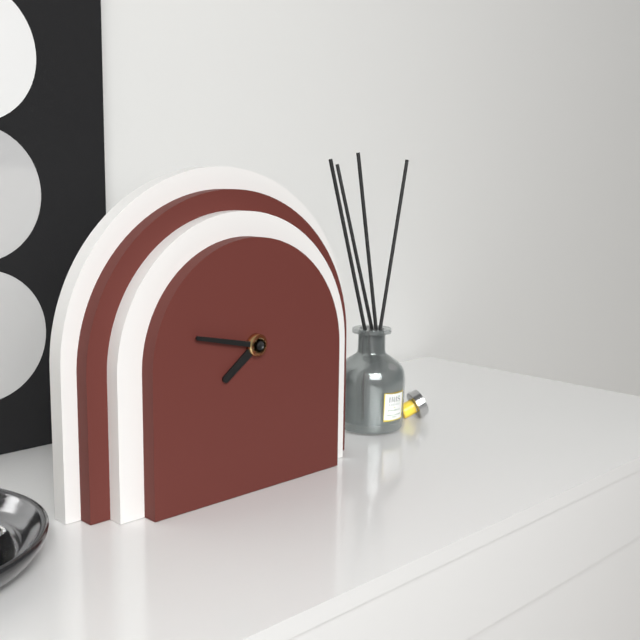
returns {"hour": 7, "minute": 47}
